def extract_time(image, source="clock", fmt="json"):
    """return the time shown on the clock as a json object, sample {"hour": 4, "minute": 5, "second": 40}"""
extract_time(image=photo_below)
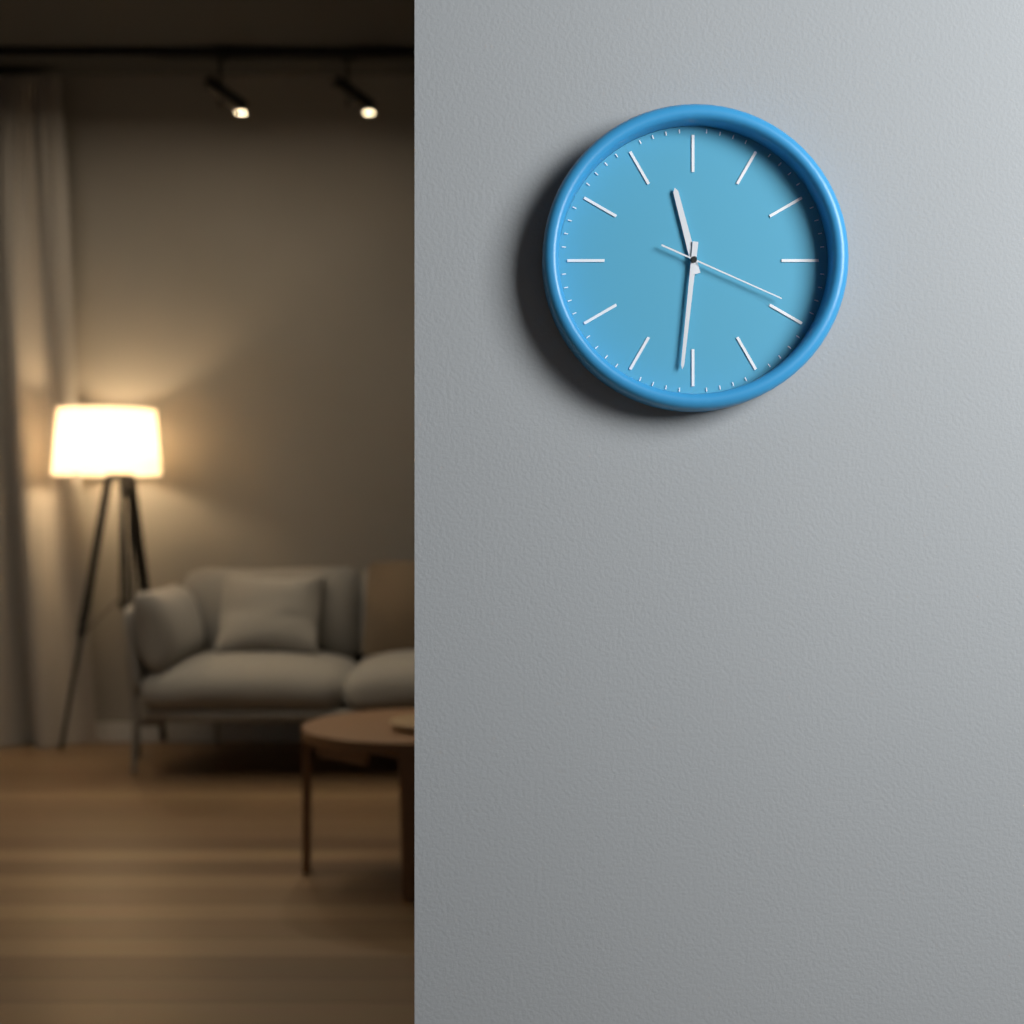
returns {"hour": 11, "minute": 31, "second": 19}
